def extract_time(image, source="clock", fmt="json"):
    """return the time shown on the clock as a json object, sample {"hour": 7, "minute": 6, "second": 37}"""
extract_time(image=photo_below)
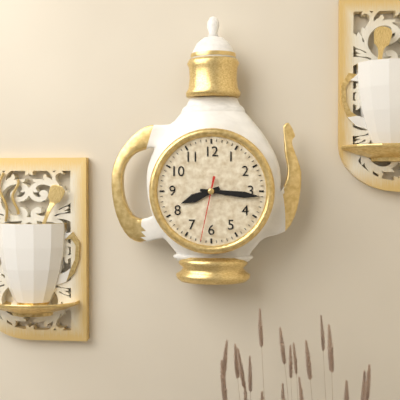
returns {"hour": 8, "minute": 16, "second": 32}
